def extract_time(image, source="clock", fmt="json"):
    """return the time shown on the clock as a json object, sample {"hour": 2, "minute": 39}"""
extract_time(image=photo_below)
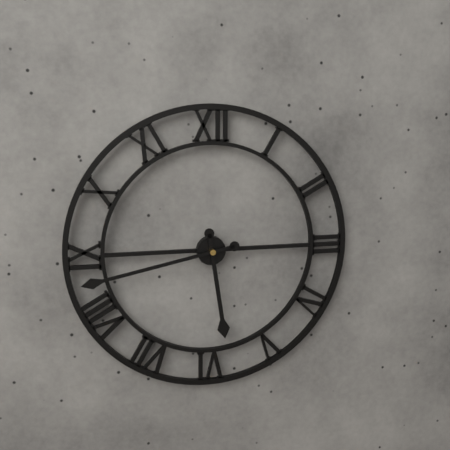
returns {"hour": 5, "minute": 43}
